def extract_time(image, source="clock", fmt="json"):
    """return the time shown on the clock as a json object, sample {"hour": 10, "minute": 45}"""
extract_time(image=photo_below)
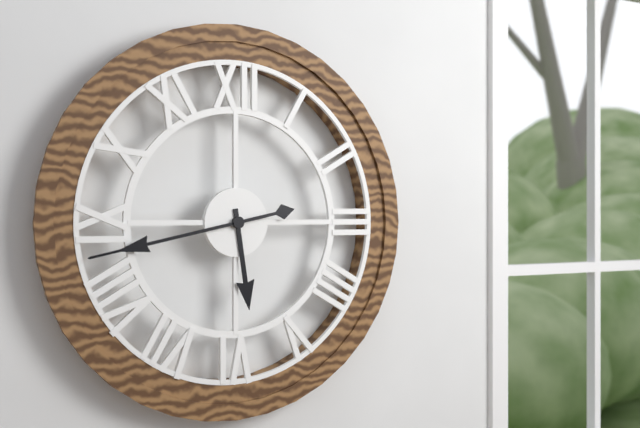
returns {"hour": 5, "minute": 43}
